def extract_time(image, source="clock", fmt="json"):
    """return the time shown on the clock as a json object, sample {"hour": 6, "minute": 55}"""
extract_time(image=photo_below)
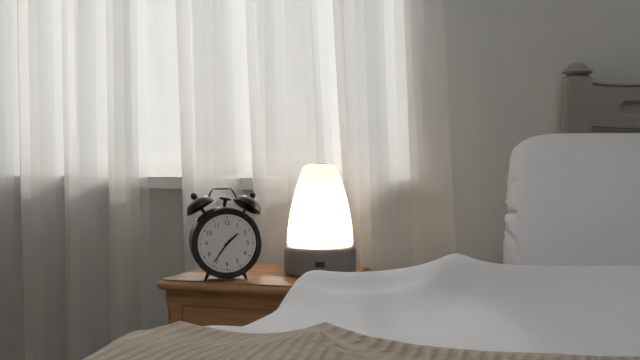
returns {"hour": 1, "minute": 36}
